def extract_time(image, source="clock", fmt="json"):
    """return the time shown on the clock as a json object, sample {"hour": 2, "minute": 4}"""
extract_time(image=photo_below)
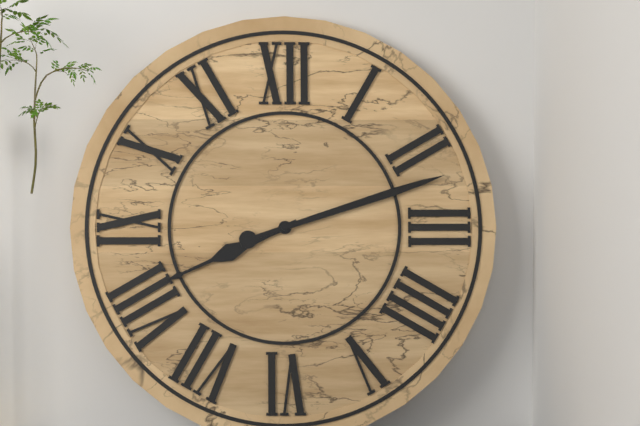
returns {"hour": 8, "minute": 12}
